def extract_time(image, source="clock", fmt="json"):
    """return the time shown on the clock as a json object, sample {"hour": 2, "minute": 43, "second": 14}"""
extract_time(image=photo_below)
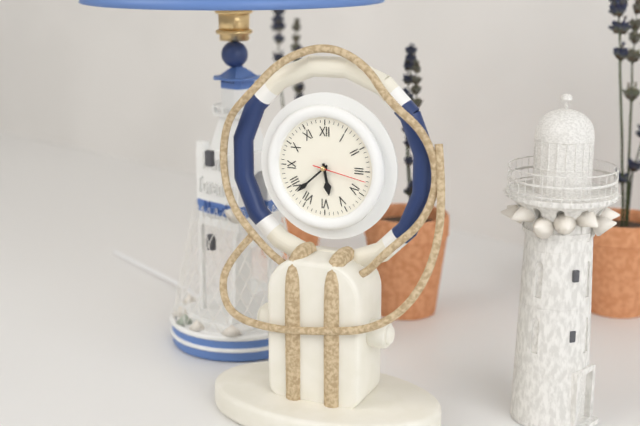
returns {"hour": 5, "minute": 38, "second": 17}
